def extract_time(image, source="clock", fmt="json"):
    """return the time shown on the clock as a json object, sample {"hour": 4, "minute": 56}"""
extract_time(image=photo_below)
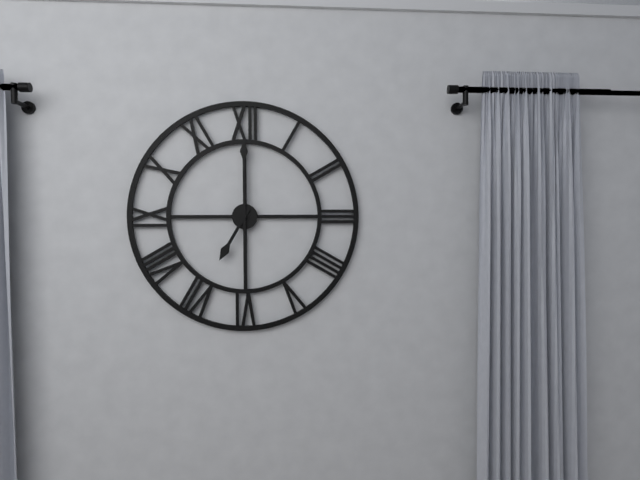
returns {"hour": 7, "minute": 0}
